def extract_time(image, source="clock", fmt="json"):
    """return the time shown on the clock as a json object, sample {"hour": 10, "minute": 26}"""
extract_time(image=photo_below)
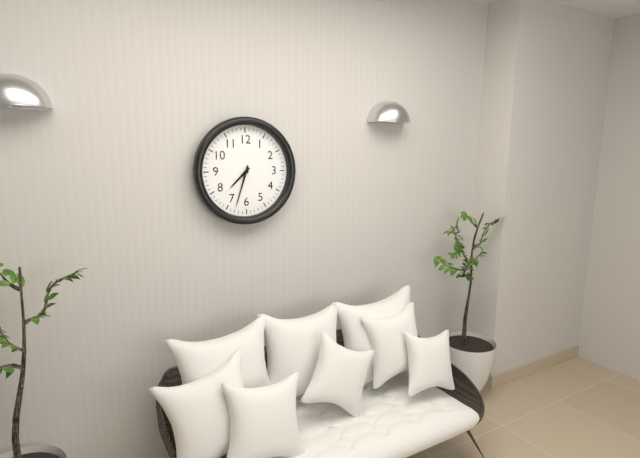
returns {"hour": 7, "minute": 33}
